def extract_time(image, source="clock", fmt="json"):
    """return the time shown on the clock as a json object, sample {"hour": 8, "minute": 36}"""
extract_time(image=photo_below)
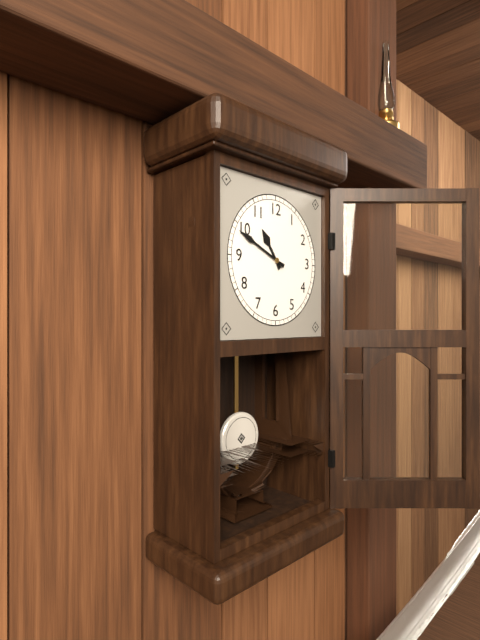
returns {"hour": 10, "minute": 49}
